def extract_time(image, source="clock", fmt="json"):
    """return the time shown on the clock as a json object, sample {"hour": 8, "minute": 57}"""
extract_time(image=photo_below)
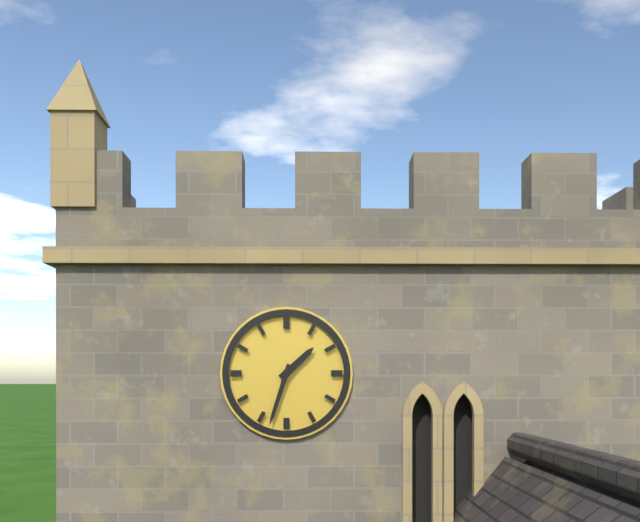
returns {"hour": 1, "minute": 33}
